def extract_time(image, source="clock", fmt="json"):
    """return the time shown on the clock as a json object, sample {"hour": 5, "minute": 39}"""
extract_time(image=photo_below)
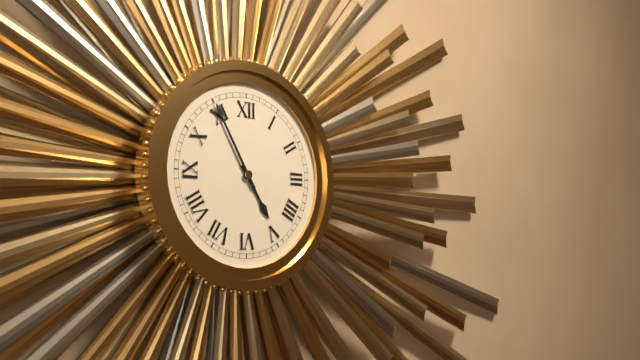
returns {"hour": 4, "minute": 55}
